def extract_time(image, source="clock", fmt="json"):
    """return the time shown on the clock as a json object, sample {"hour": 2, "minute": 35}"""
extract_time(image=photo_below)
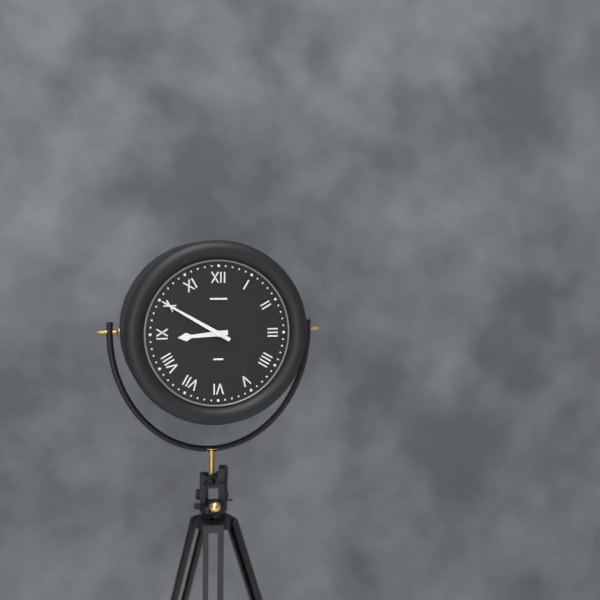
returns {"hour": 8, "minute": 50}
